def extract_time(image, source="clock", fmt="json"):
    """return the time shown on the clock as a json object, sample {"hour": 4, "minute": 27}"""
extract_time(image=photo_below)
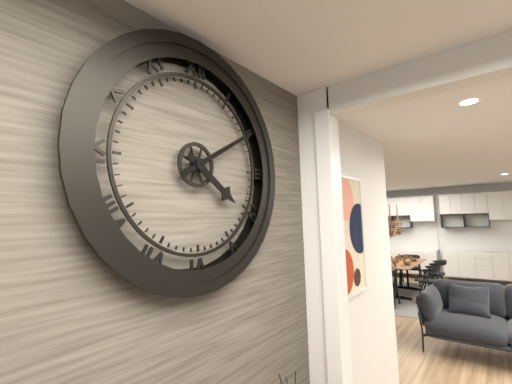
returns {"hour": 4, "minute": 10}
